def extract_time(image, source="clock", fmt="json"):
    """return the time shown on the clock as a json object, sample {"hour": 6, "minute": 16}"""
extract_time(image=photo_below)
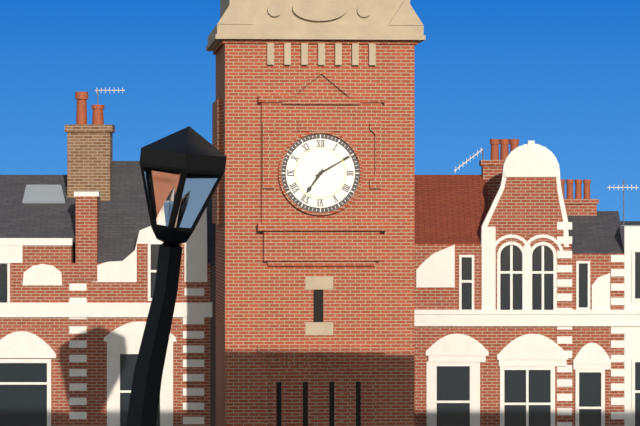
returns {"hour": 7, "minute": 10}
